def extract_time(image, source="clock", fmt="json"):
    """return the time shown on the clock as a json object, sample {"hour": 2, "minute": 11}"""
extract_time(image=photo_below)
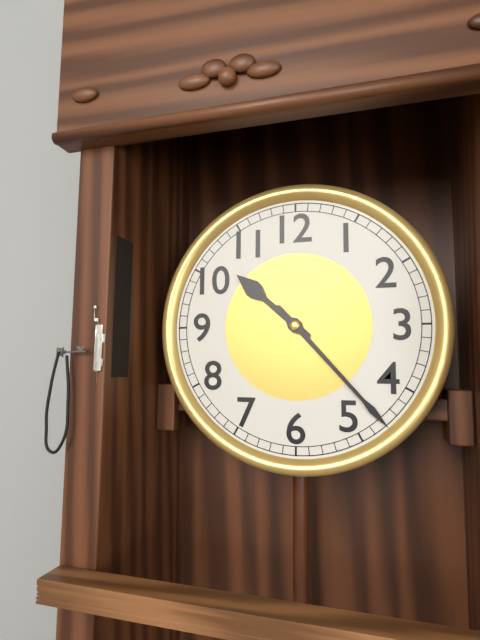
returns {"hour": 10, "minute": 23}
